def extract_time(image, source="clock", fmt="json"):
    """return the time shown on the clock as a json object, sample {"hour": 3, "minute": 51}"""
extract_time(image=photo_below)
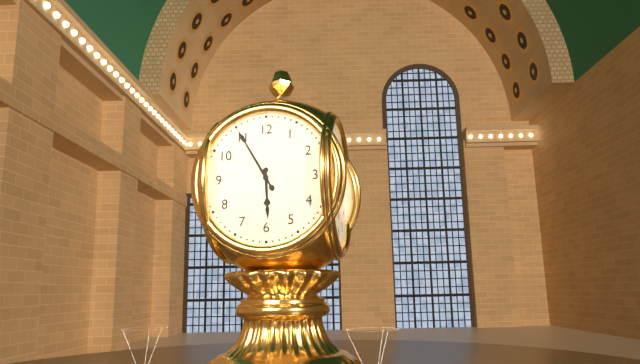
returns {"hour": 5, "minute": 55}
